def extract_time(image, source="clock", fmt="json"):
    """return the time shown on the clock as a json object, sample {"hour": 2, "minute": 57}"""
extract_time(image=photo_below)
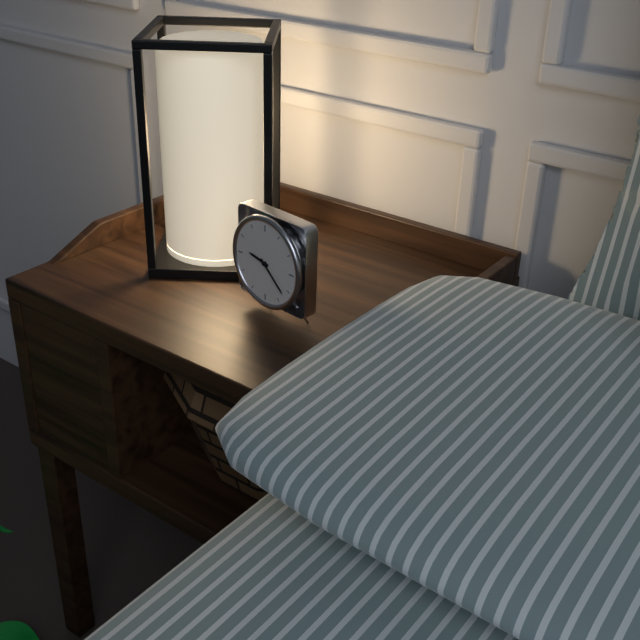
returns {"hour": 9, "minute": 22}
